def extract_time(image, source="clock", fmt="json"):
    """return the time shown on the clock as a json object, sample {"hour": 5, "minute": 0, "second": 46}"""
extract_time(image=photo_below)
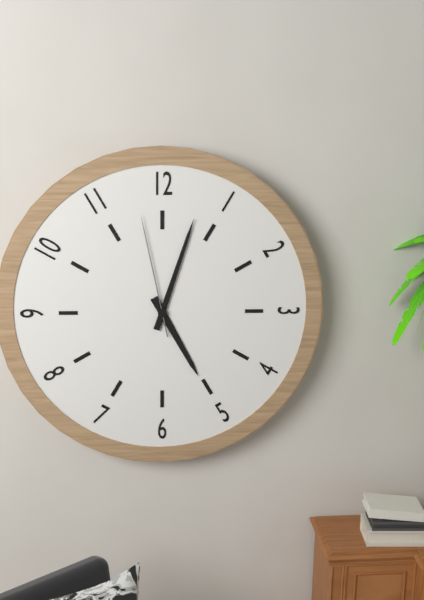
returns {"hour": 5, "minute": 3, "second": 58}
